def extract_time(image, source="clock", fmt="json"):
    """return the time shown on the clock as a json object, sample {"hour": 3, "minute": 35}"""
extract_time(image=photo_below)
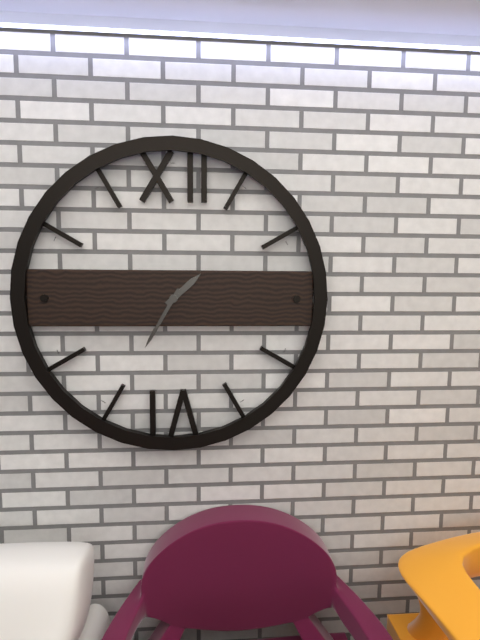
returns {"hour": 1, "minute": 35}
